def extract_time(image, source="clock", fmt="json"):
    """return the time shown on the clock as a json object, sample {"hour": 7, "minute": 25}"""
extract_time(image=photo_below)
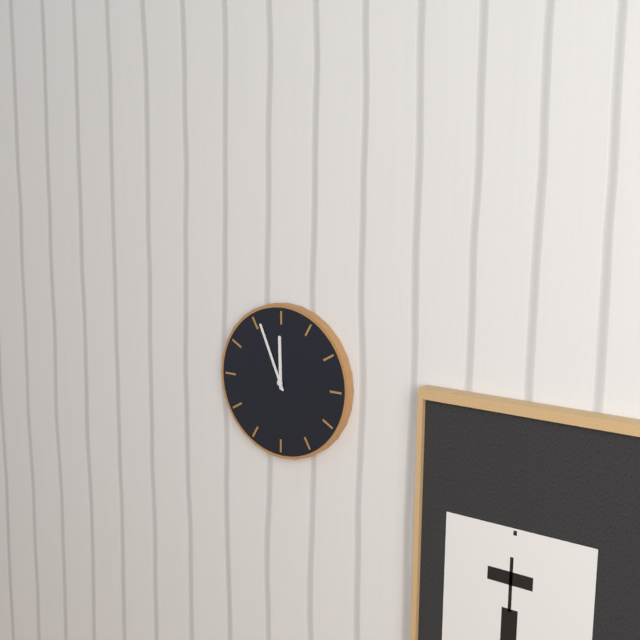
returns {"hour": 11, "minute": 56}
